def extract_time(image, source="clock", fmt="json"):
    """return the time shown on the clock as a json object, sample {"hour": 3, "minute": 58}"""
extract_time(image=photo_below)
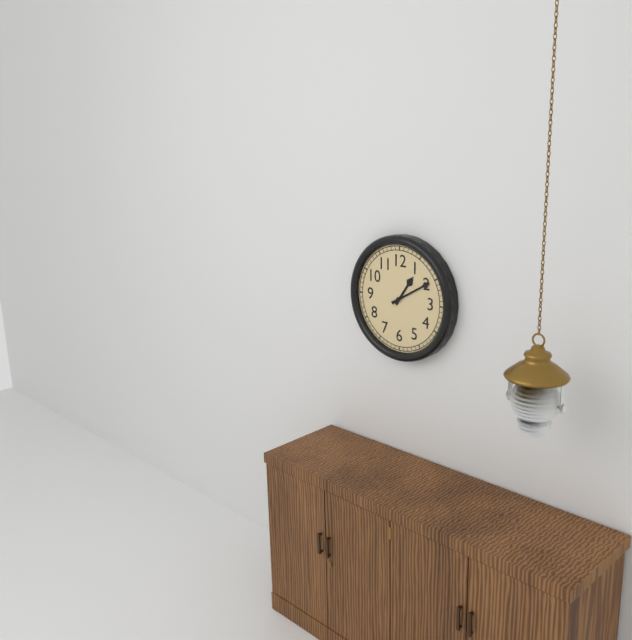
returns {"hour": 1, "minute": 10}
